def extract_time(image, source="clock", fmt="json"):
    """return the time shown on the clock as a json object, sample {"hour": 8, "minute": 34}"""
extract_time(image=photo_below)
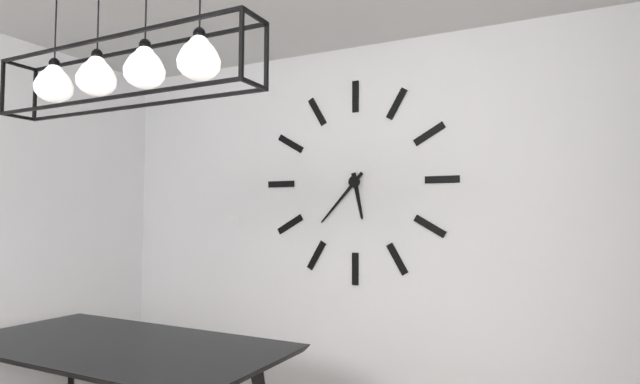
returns {"hour": 5, "minute": 37}
